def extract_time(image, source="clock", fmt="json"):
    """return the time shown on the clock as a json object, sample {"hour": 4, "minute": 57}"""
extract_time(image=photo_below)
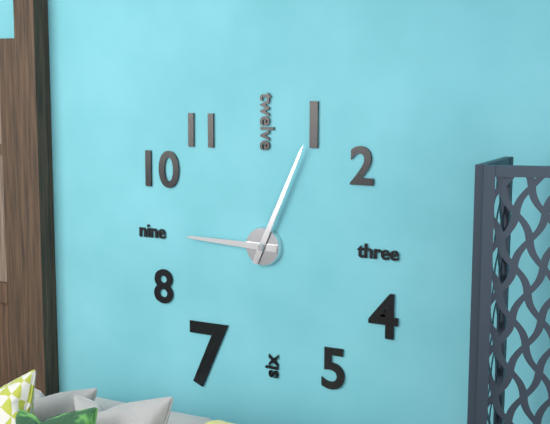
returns {"hour": 9, "minute": 4}
